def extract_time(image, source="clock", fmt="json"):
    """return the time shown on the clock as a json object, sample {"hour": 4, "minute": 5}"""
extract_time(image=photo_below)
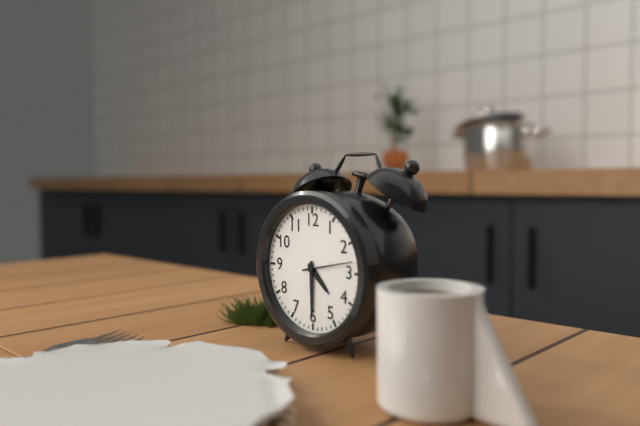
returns {"hour": 4, "minute": 30}
